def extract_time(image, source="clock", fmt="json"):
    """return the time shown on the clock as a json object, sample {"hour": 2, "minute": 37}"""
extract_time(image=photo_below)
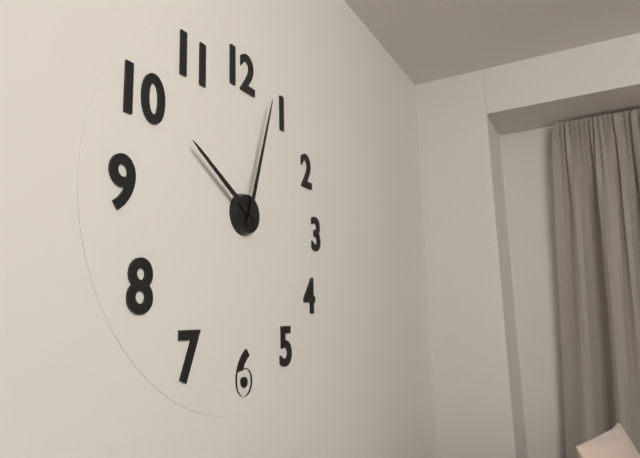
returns {"hour": 10, "minute": 3}
